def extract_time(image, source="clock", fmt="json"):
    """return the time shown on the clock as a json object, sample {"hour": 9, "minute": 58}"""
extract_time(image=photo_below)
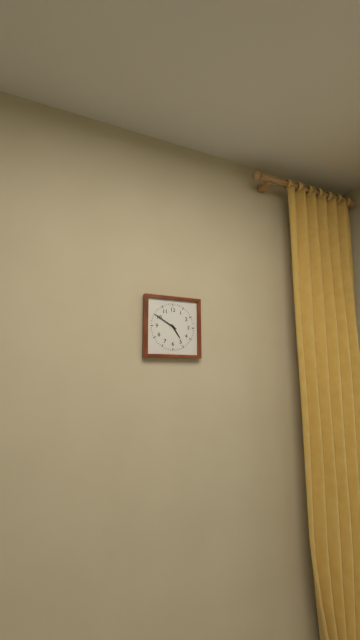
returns {"hour": 4, "minute": 50}
